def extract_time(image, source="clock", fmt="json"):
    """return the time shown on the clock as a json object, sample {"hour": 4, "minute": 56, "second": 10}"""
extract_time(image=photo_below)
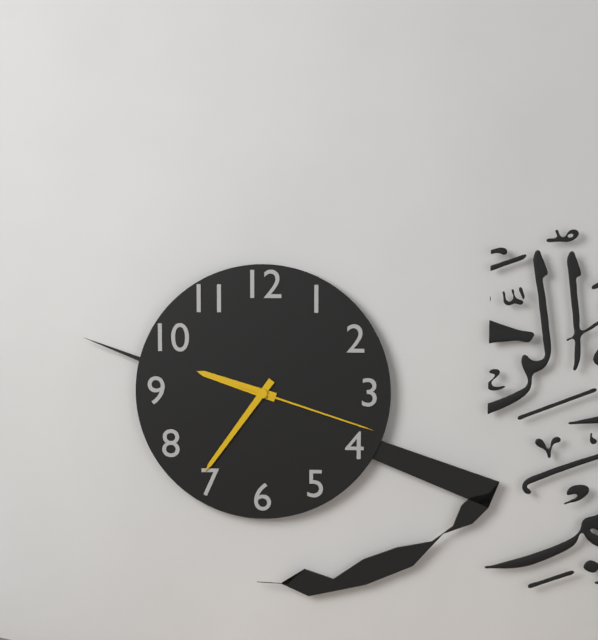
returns {"hour": 9, "minute": 36, "second": 18}
